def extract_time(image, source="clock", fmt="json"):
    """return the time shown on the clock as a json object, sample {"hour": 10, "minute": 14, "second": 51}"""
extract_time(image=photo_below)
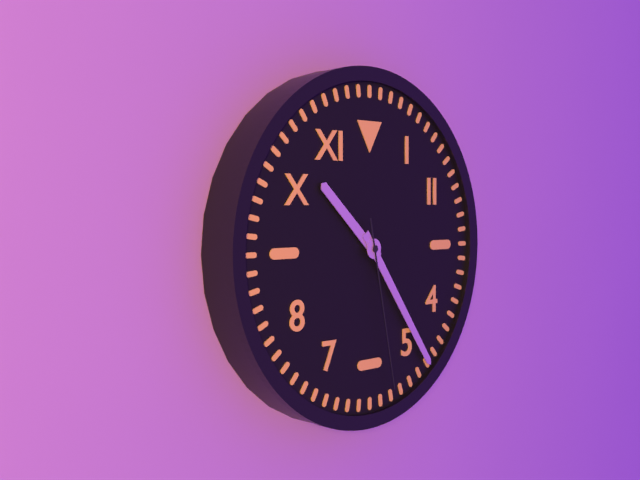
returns {"hour": 10, "minute": 24, "second": 28}
